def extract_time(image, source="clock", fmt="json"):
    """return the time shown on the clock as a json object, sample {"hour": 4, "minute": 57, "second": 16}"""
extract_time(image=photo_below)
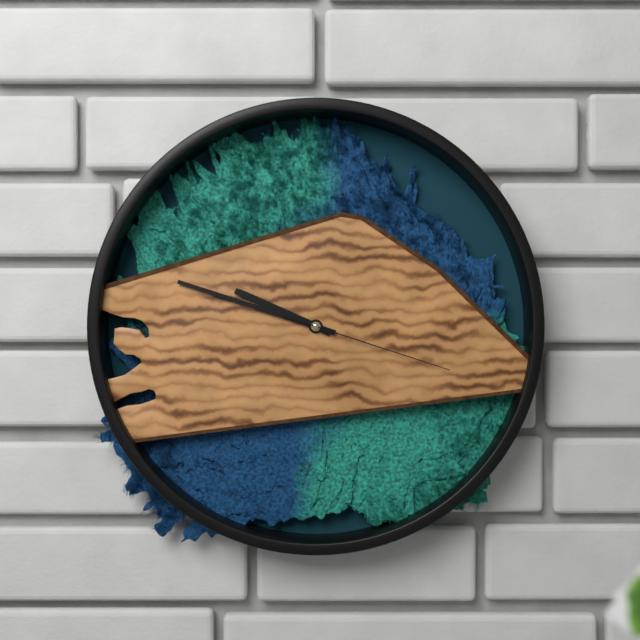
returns {"hour": 9, "minute": 48, "second": 18}
